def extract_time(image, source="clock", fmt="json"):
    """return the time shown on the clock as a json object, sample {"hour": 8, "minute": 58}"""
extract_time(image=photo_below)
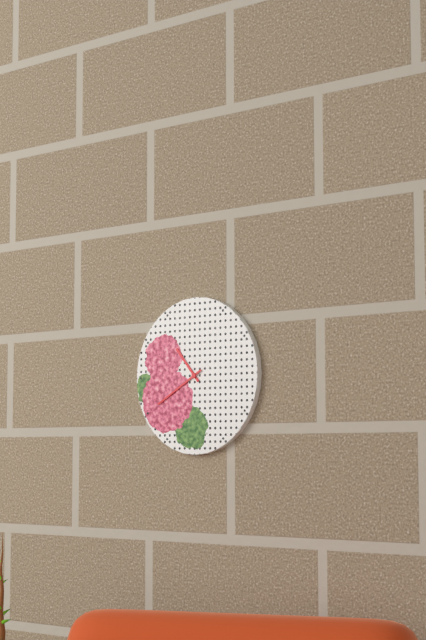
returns {"hour": 10, "minute": 40}
